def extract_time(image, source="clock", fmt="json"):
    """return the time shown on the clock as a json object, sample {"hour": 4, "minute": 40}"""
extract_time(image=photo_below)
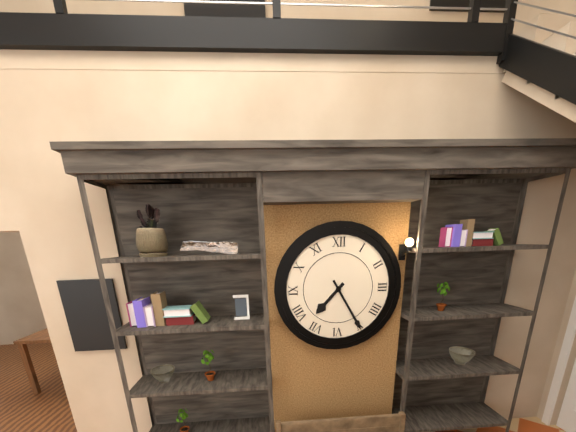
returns {"hour": 7, "minute": 25}
